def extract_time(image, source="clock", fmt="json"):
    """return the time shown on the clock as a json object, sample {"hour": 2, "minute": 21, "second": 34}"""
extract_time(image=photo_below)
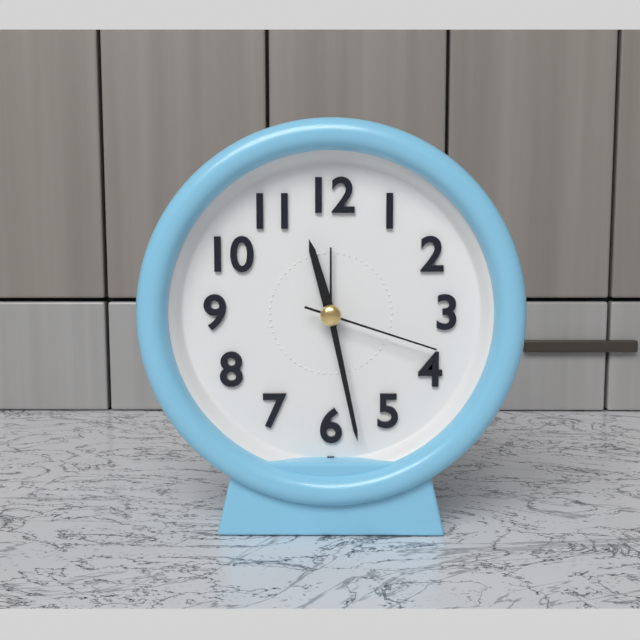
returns {"hour": 11, "minute": 28, "second": 18}
